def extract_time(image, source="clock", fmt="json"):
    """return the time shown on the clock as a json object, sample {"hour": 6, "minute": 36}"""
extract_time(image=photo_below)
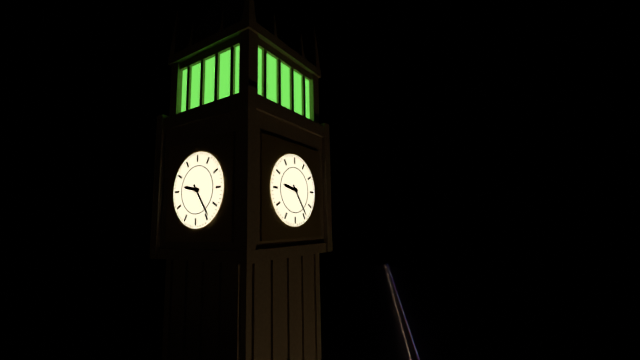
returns {"hour": 9, "minute": 24}
